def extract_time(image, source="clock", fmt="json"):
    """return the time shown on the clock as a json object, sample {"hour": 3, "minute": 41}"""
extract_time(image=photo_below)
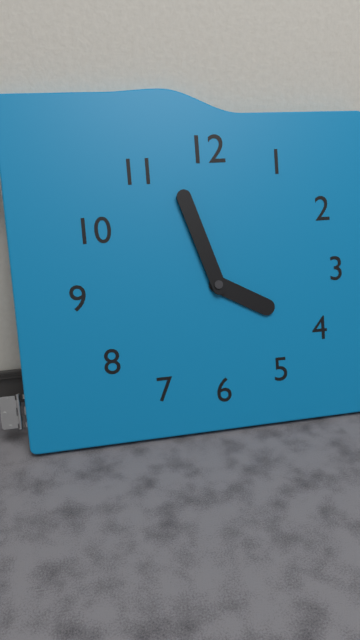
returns {"hour": 3, "minute": 57}
